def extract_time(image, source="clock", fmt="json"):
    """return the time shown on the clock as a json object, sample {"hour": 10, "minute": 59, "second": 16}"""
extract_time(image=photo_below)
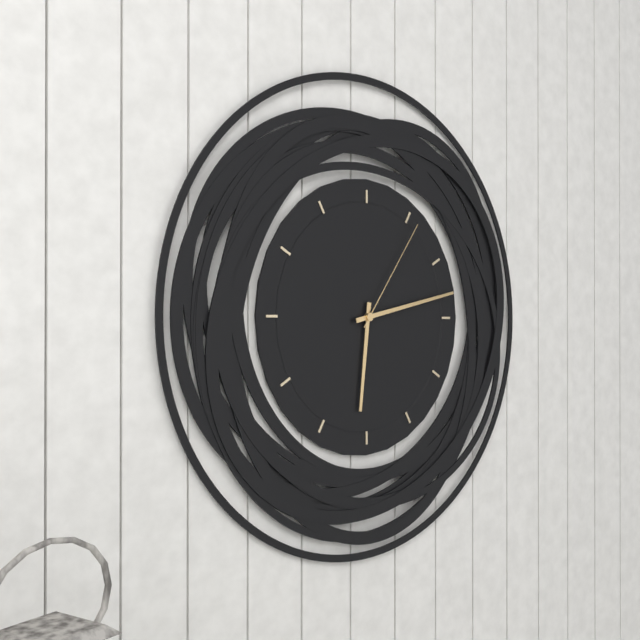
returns {"hour": 6, "minute": 13, "second": 6}
